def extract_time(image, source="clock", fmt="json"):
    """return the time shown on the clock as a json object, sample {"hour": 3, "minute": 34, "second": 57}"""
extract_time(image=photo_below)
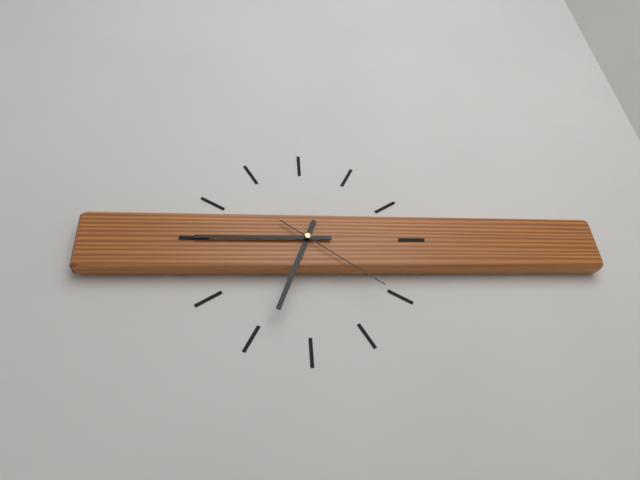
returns {"hour": 6, "minute": 45, "second": 21}
